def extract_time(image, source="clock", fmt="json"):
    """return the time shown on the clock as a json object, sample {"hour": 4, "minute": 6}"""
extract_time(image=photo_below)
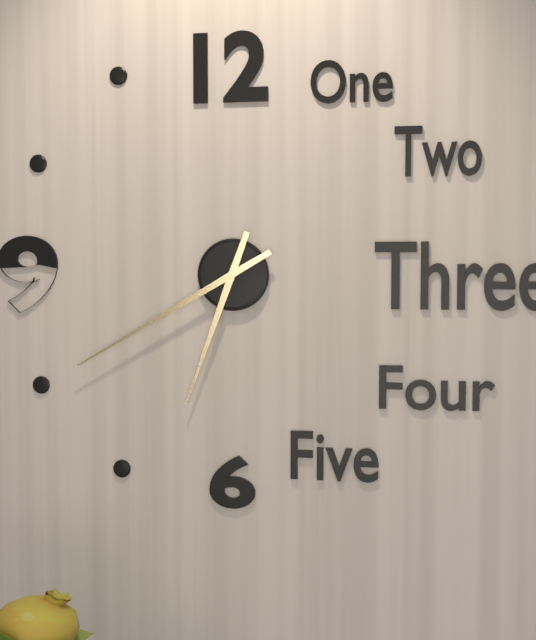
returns {"hour": 6, "minute": 40}
